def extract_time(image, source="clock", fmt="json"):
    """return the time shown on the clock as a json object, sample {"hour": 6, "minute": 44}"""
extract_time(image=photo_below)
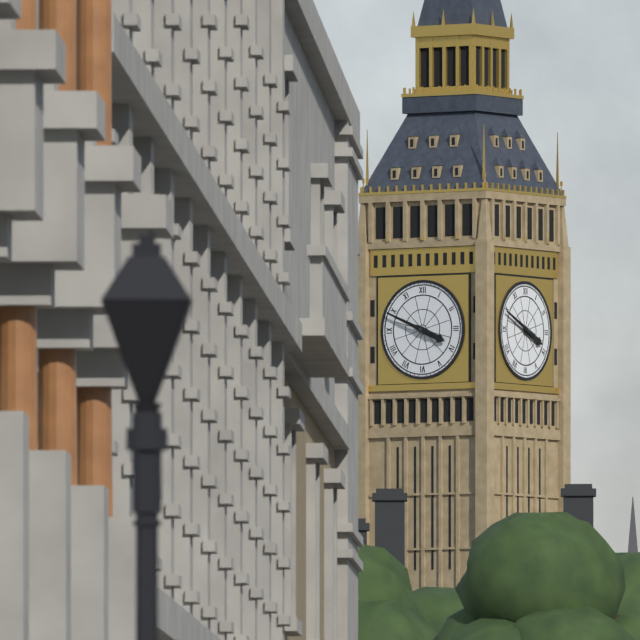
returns {"hour": 3, "minute": 49}
